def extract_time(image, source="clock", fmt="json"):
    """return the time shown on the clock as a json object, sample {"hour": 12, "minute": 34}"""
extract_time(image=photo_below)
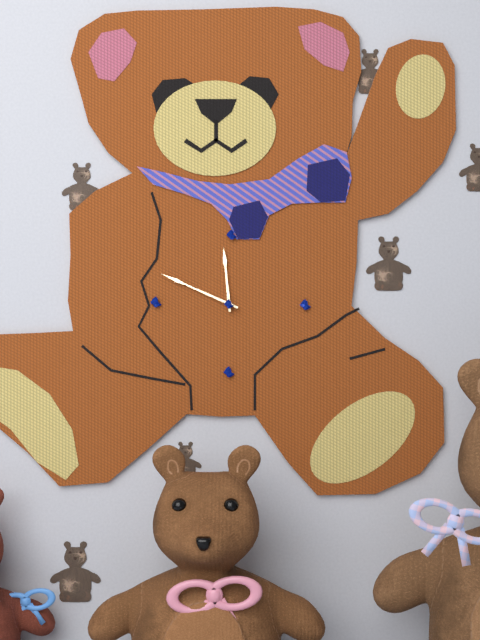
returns {"hour": 11, "minute": 49}
